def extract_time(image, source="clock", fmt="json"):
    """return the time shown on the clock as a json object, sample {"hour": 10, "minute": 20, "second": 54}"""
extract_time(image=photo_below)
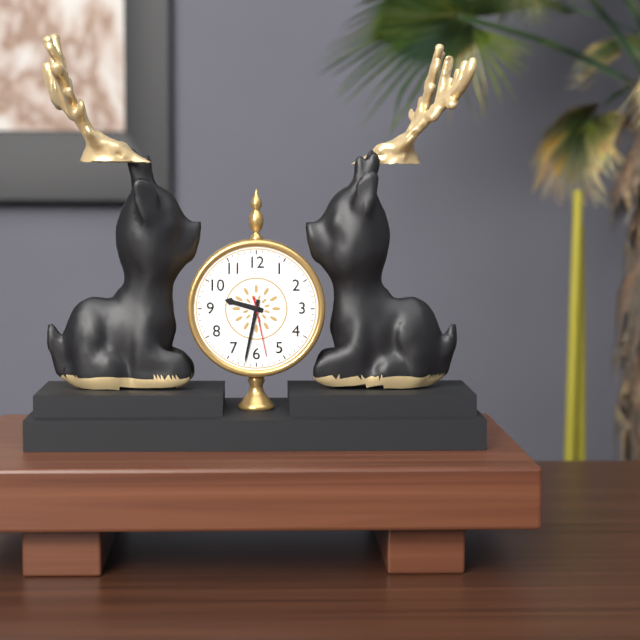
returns {"hour": 9, "minute": 32, "second": 28}
